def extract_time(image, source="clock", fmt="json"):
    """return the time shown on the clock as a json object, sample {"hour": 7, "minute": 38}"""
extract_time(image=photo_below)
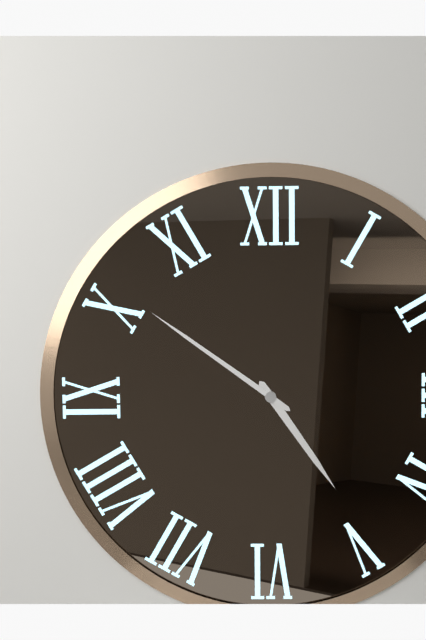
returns {"hour": 4, "minute": 51}
